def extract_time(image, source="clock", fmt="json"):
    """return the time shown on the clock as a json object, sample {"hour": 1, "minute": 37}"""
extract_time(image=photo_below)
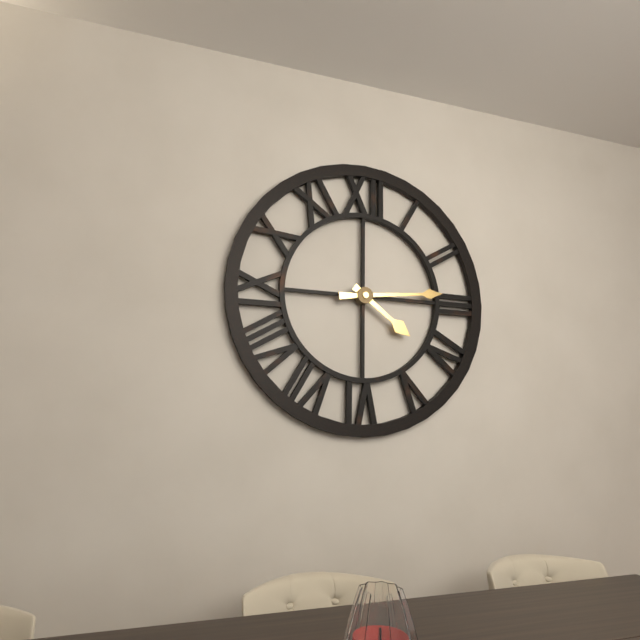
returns {"hour": 4, "minute": 14}
